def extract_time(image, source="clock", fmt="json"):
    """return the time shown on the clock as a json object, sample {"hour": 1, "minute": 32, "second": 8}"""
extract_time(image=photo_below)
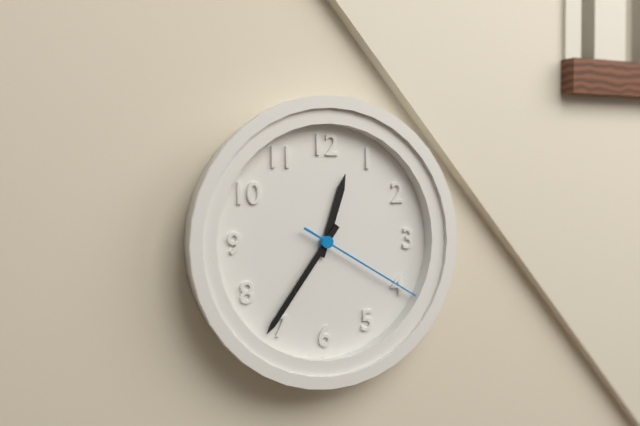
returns {"hour": 12, "minute": 36, "second": 20}
